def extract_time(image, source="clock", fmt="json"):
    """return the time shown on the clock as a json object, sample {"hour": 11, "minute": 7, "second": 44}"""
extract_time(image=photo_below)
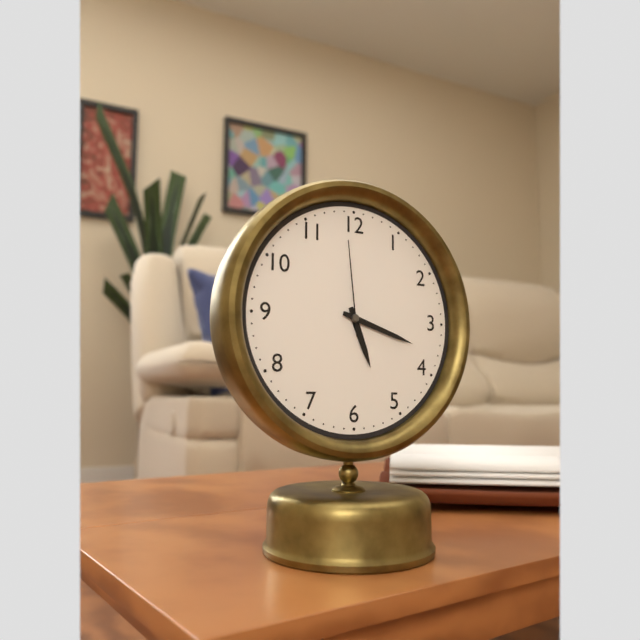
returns {"hour": 5, "minute": 18, "second": 59}
